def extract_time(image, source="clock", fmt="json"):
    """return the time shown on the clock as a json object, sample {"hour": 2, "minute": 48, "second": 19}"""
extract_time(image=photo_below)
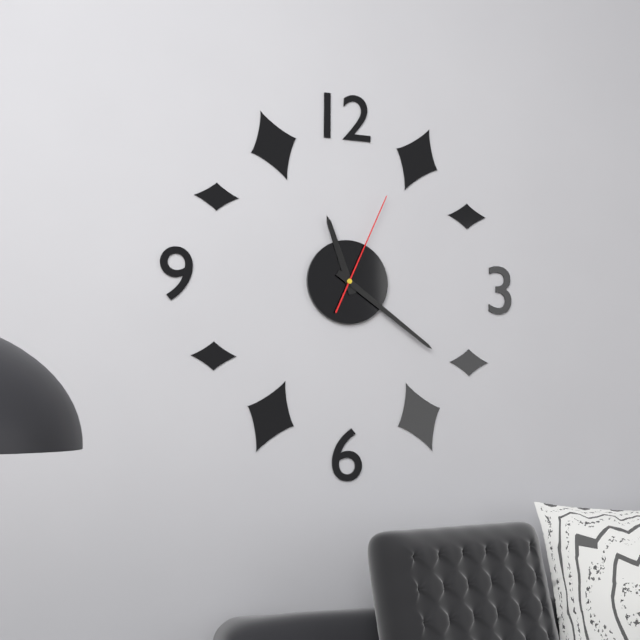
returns {"hour": 11, "minute": 21, "second": 4}
